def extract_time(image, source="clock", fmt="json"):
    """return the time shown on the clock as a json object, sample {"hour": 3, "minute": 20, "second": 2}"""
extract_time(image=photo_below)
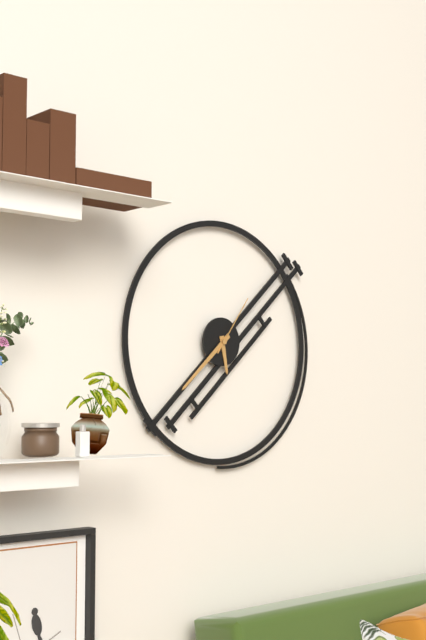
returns {"hour": 5, "minute": 38, "second": 6}
